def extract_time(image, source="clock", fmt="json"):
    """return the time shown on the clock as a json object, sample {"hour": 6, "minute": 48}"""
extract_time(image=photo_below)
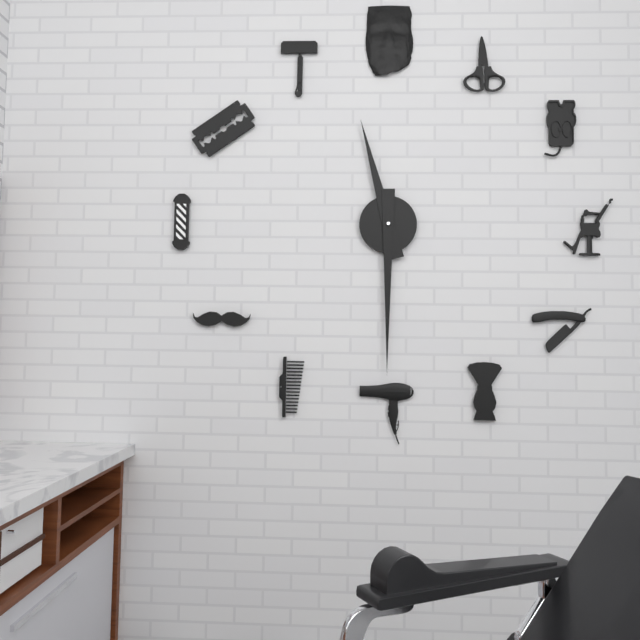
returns {"hour": 11, "minute": 30}
